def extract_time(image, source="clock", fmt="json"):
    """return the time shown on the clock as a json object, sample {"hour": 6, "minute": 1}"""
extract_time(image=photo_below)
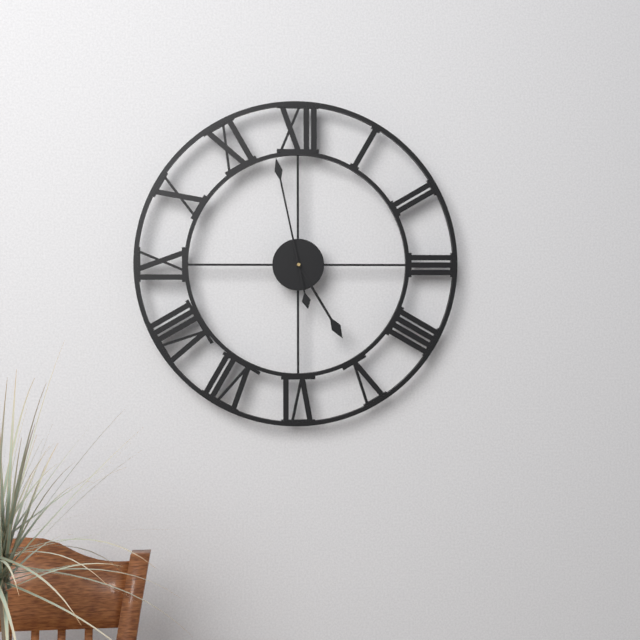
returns {"hour": 4, "minute": 58}
